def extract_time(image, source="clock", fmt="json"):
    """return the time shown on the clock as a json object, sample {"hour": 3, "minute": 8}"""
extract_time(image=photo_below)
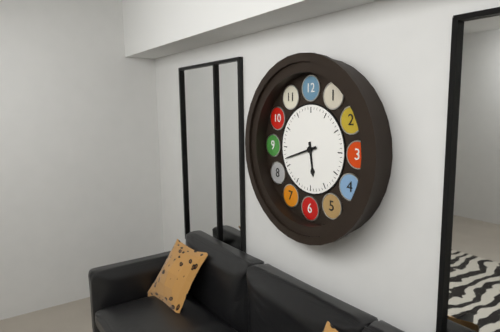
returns {"hour": 5, "minute": 42}
